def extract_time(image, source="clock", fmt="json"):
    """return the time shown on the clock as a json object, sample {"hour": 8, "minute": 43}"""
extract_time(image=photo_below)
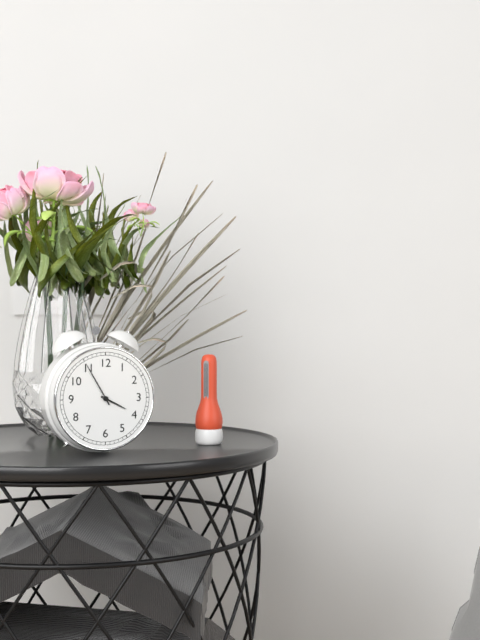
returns {"hour": 3, "minute": 55}
